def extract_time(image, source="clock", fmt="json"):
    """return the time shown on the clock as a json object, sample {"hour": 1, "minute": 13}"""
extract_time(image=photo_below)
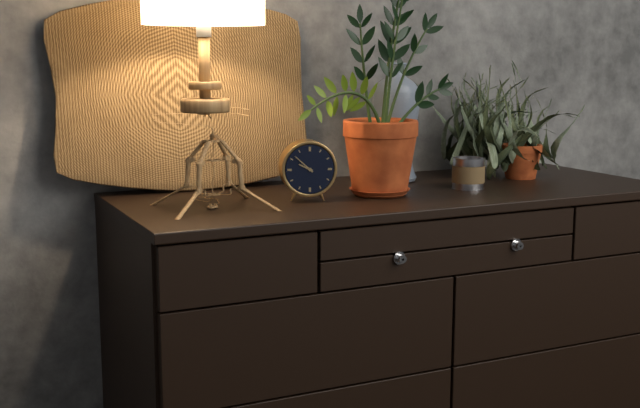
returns {"hour": 9, "minute": 52}
